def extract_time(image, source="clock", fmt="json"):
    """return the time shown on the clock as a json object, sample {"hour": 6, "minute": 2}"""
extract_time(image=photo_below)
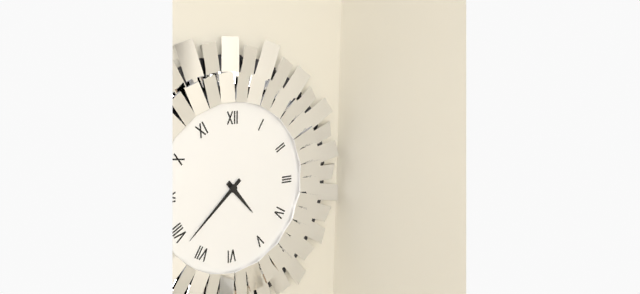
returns {"hour": 4, "minute": 38}
